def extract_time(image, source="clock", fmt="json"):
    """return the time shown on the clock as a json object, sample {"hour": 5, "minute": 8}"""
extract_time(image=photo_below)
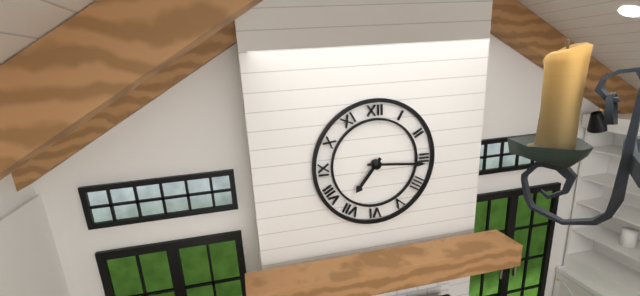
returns {"hour": 7, "minute": 16}
